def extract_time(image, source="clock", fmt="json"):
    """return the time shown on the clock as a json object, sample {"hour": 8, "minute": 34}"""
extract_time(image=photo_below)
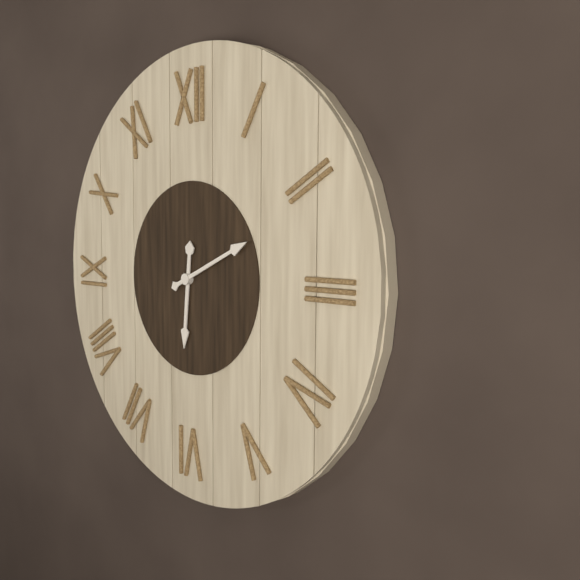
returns {"hour": 6, "minute": 11}
